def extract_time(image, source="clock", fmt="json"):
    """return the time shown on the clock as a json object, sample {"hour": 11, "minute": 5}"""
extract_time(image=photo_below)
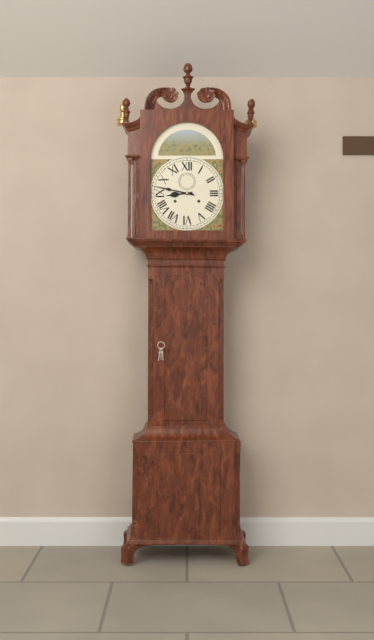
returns {"hour": 8, "minute": 47}
